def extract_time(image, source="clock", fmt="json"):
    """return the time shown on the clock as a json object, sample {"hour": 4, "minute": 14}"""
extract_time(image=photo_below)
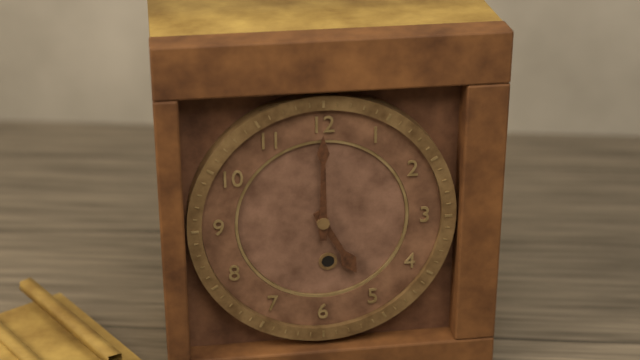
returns {"hour": 5, "minute": 0}
